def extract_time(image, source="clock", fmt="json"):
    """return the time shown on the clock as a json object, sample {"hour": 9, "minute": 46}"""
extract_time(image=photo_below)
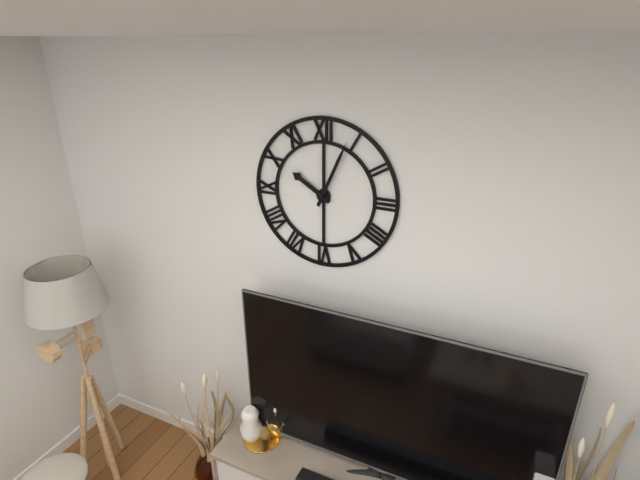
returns {"hour": 10, "minute": 4}
